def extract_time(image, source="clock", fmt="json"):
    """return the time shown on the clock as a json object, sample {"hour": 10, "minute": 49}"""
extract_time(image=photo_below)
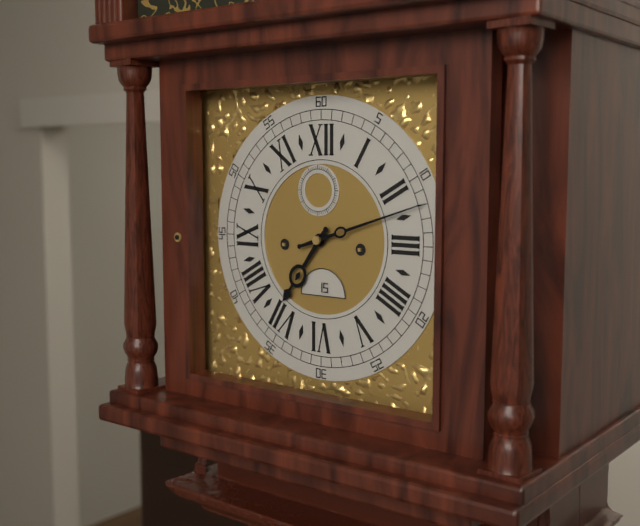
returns {"hour": 7, "minute": 12}
